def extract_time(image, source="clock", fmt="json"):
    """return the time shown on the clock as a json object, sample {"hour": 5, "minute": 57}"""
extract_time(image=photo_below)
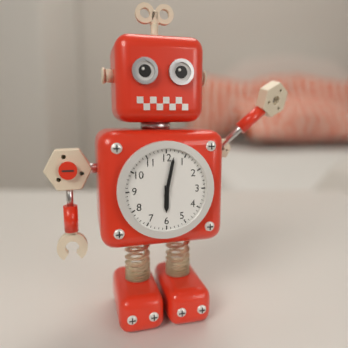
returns {"hour": 6, "minute": 2}
